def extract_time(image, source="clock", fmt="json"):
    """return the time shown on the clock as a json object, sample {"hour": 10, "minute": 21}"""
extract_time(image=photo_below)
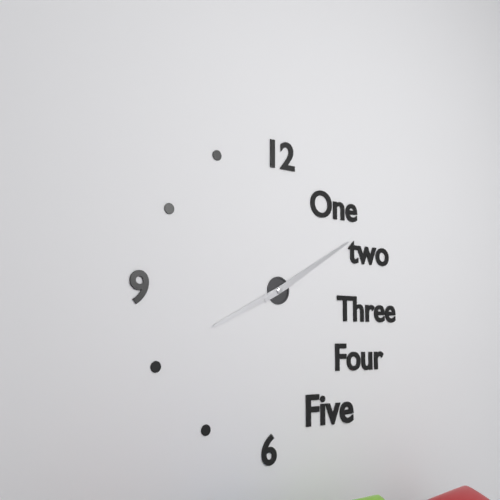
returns {"hour": 8, "minute": 10}
